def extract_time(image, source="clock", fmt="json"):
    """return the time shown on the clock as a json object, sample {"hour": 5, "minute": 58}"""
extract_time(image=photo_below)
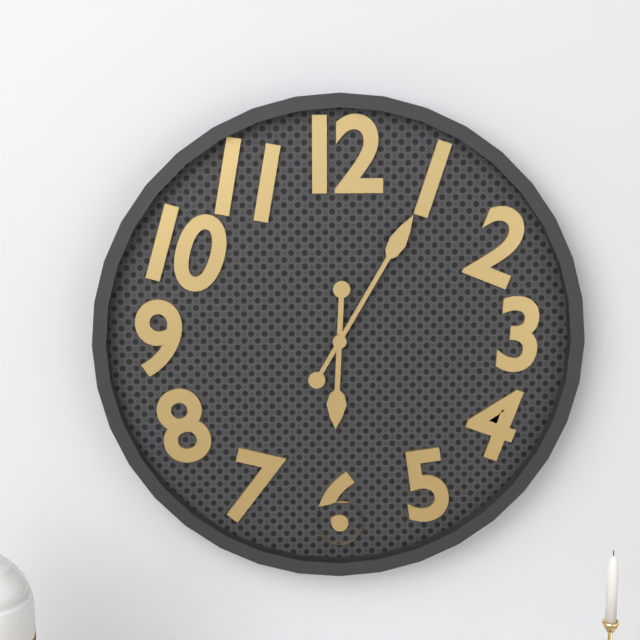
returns {"hour": 6, "minute": 5}
